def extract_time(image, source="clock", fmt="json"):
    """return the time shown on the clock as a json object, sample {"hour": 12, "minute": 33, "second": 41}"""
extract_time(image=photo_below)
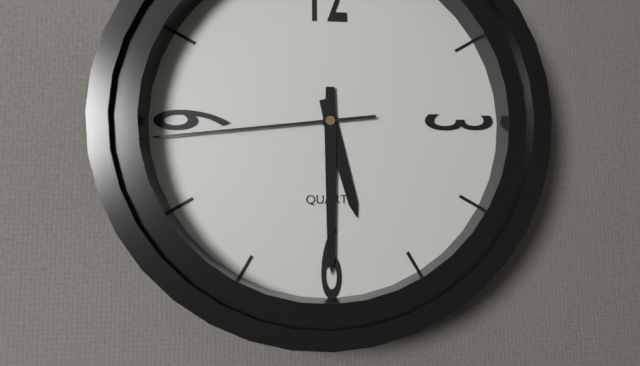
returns {"hour": 5, "minute": 30, "second": 44}
